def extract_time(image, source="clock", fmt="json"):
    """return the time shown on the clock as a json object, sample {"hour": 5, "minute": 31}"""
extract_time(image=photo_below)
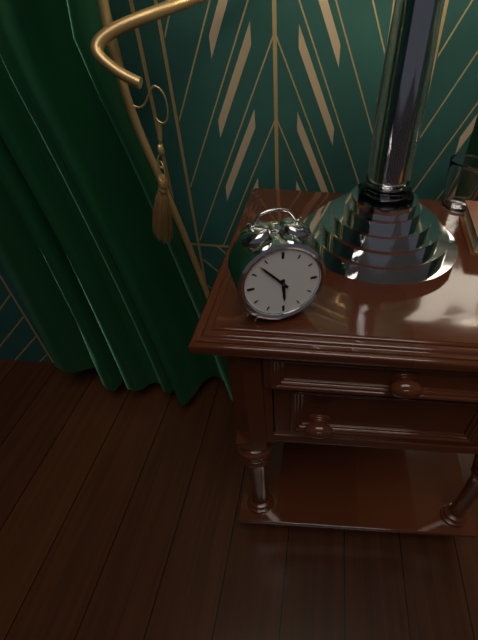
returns {"hour": 5, "minute": 53}
